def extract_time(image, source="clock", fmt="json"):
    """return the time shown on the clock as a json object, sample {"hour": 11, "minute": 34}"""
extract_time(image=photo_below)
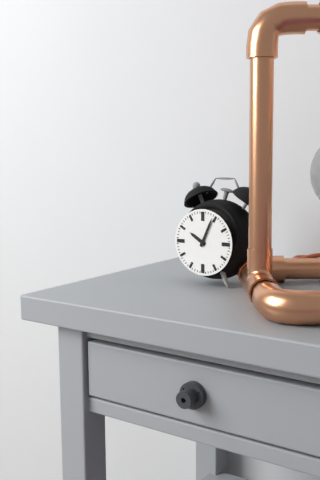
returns {"hour": 10, "minute": 4}
